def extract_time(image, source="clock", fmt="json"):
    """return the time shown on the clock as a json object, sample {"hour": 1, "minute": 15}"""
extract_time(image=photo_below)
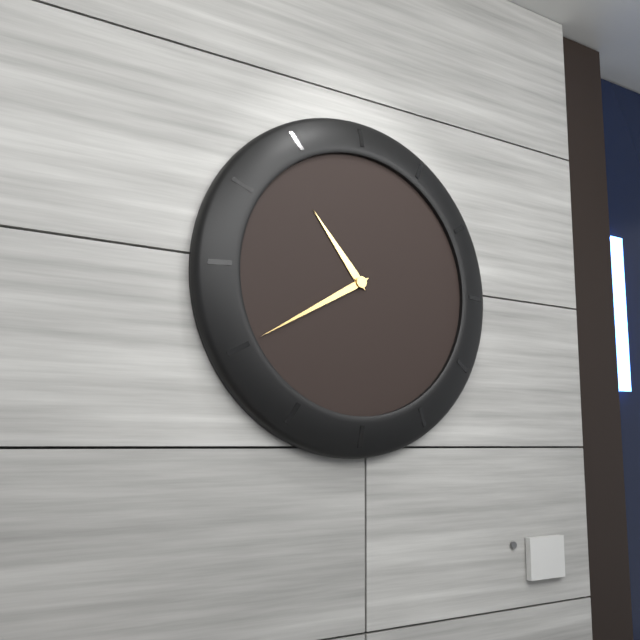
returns {"hour": 10, "minute": 40}
